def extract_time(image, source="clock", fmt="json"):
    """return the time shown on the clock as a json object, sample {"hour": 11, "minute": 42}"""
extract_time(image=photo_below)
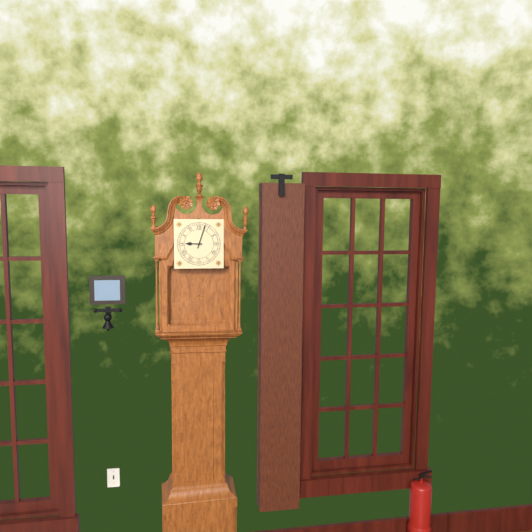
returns {"hour": 9, "minute": 3}
